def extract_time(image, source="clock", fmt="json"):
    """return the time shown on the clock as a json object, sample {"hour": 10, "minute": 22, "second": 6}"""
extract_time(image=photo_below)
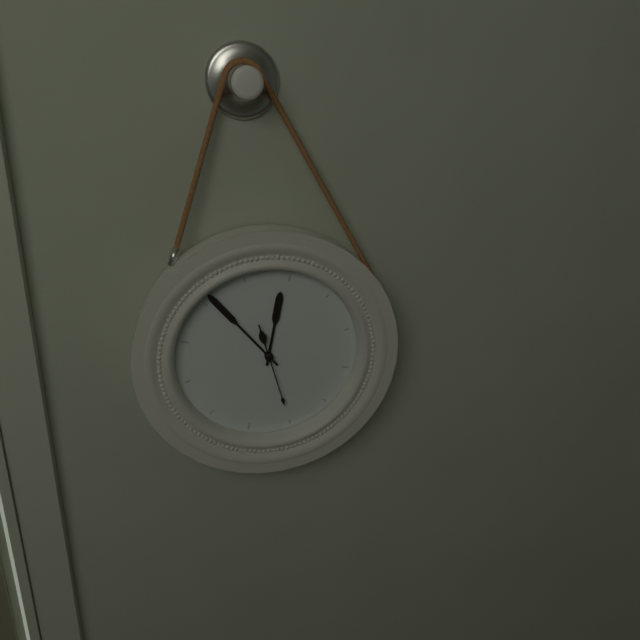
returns {"hour": 11, "minute": 51, "second": 25}
